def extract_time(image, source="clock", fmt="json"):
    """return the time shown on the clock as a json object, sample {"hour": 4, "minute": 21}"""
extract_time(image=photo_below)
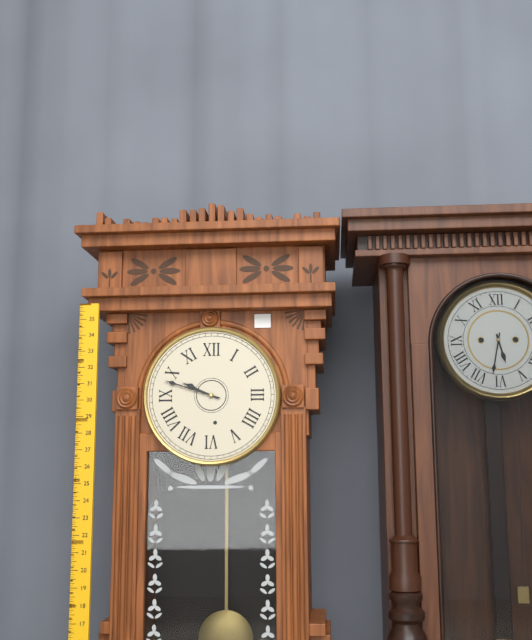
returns {"hour": 9, "minute": 48}
